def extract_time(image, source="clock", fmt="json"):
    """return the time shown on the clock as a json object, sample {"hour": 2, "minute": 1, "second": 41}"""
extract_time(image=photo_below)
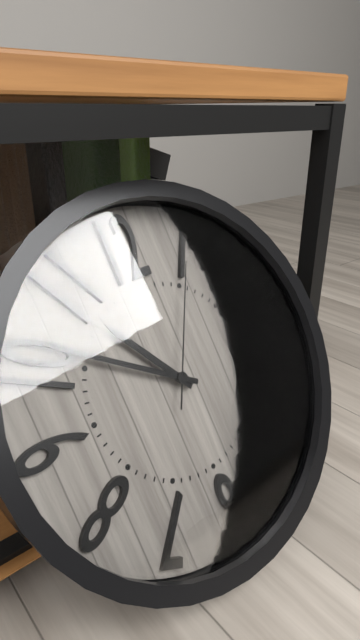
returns {"hour": 10, "minute": 51, "second": 5}
